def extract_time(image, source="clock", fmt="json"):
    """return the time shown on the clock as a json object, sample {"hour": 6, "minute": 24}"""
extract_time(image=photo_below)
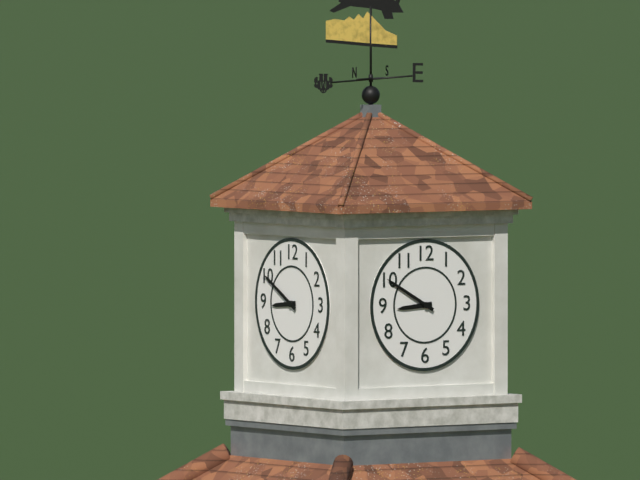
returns {"hour": 8, "minute": 50}
